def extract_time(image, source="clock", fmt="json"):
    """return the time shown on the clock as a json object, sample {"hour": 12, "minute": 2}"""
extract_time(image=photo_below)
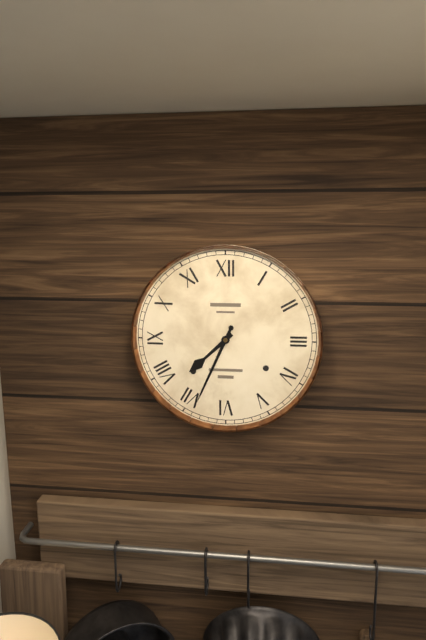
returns {"hour": 7, "minute": 34}
